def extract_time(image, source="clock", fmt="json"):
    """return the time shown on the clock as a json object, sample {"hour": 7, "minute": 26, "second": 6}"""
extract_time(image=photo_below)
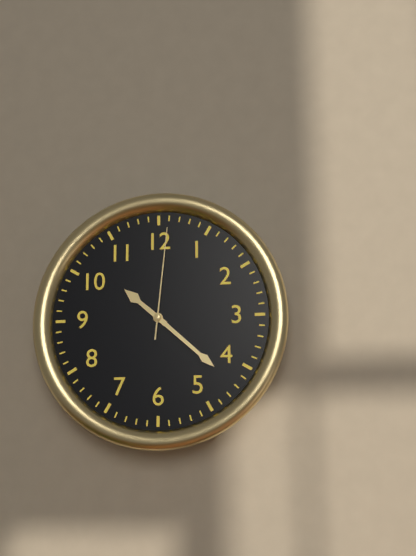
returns {"hour": 10, "minute": 22, "second": 1}
